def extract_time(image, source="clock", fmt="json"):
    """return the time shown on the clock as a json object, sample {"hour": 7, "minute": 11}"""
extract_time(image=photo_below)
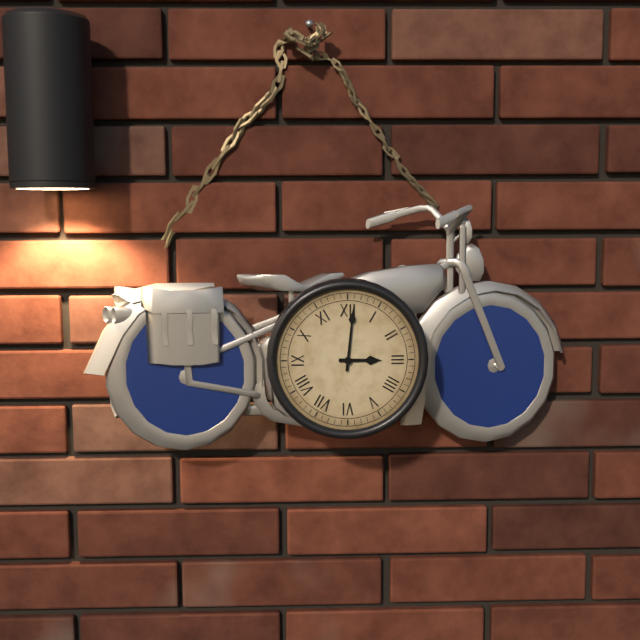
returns {"hour": 3, "minute": 1}
